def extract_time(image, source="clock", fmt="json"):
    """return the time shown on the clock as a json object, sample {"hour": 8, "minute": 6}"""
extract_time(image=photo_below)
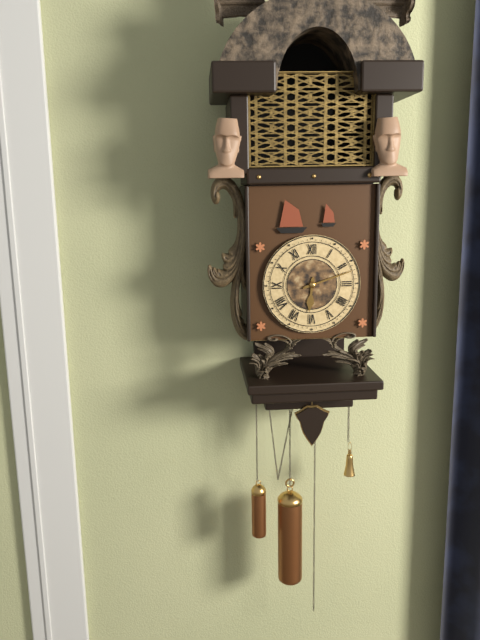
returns {"hour": 6, "minute": 12}
